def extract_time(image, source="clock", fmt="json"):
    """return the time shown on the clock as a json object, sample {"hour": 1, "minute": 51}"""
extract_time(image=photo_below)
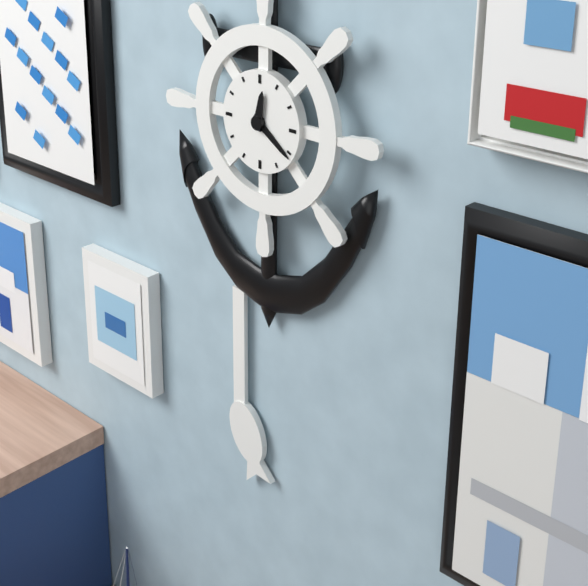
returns {"hour": 12, "minute": 21}
